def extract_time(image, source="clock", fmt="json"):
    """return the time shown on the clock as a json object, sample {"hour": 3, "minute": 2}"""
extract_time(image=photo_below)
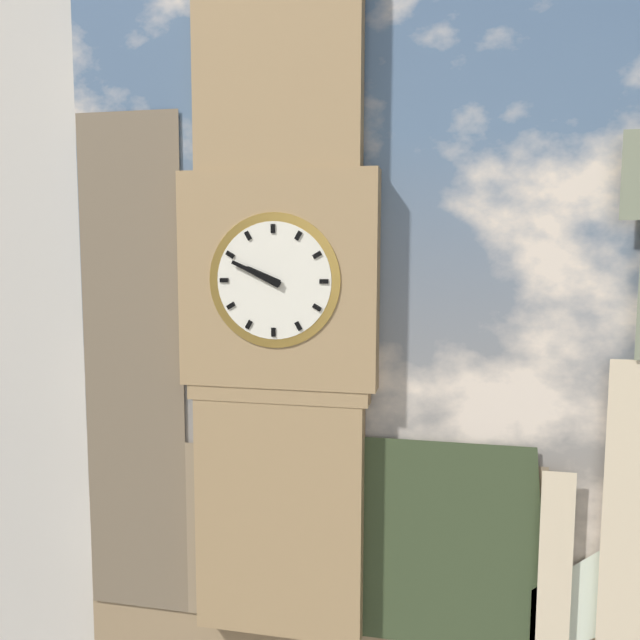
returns {"hour": 9, "minute": 49}
